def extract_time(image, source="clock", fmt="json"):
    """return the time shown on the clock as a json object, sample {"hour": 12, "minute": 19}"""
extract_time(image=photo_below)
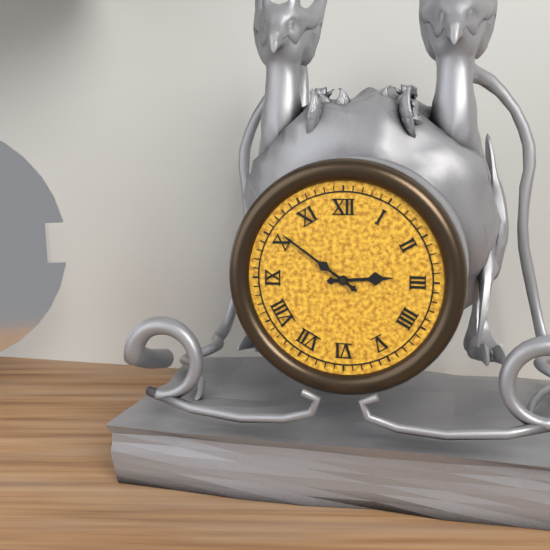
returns {"hour": 2, "minute": 51}
